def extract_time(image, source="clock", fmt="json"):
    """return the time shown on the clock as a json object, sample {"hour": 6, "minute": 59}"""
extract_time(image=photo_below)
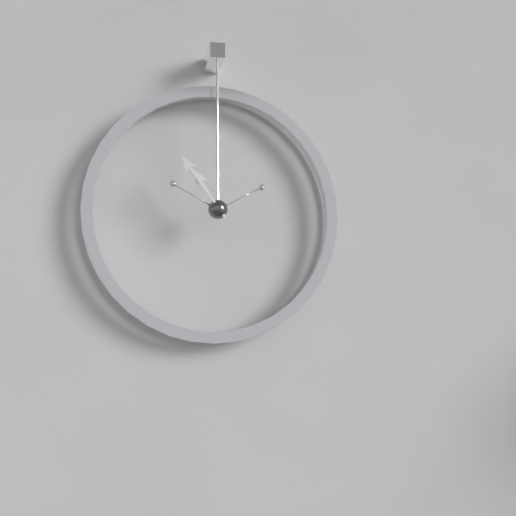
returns {"hour": 10, "minute": 54}
